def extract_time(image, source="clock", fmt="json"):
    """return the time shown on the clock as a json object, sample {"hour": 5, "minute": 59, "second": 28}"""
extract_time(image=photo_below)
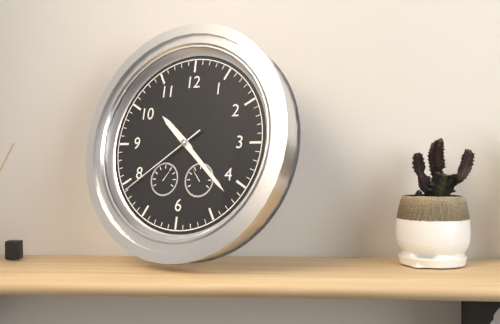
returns {"hour": 10, "minute": 22, "second": 39}
